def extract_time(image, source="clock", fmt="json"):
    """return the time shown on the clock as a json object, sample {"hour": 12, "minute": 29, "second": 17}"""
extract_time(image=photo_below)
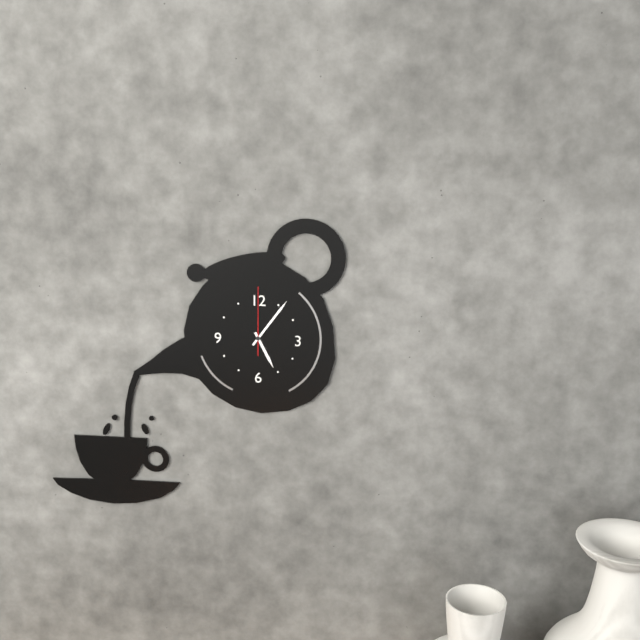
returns {"hour": 5, "minute": 6, "second": 0}
